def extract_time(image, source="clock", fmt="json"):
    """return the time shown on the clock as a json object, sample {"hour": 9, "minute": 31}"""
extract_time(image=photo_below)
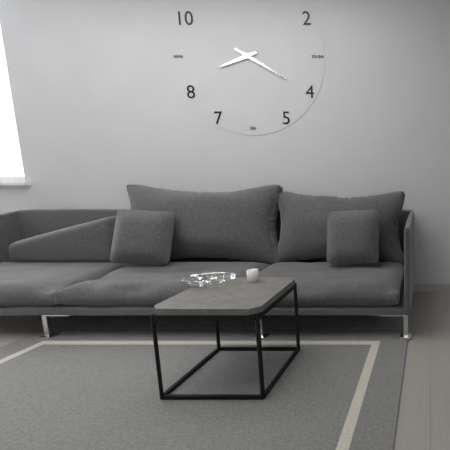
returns {"hour": 8, "minute": 20}
